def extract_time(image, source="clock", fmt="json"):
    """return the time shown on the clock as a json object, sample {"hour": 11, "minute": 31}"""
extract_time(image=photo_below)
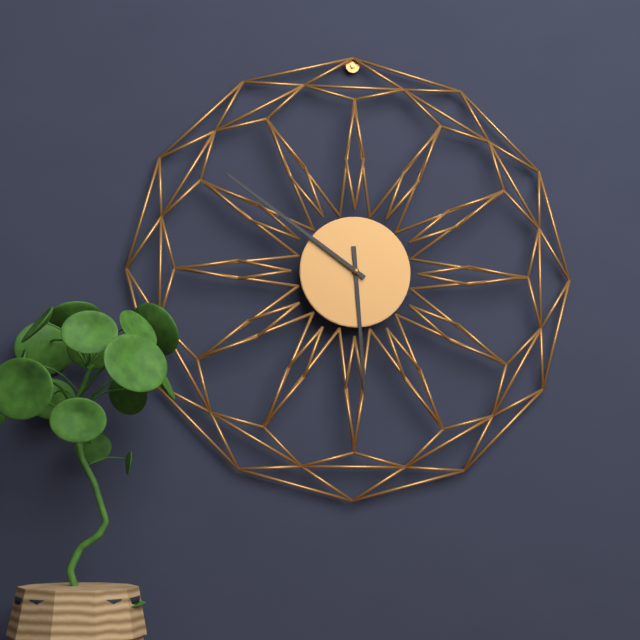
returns {"hour": 5, "minute": 51}
